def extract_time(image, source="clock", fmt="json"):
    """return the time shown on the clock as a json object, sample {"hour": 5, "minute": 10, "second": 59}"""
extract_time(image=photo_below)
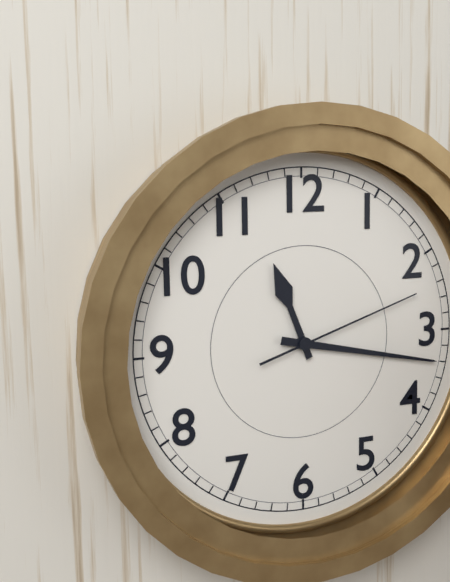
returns {"hour": 11, "minute": 17, "second": 12}
